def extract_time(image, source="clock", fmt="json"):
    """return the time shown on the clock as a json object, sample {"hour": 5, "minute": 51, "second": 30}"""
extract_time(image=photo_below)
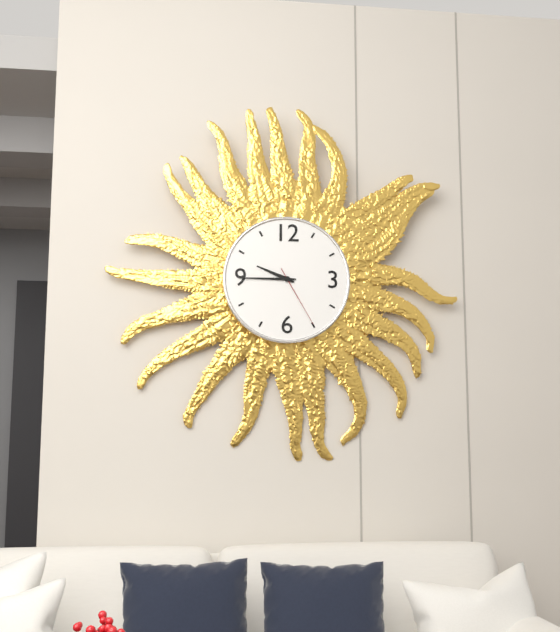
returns {"hour": 9, "minute": 45, "second": 25}
